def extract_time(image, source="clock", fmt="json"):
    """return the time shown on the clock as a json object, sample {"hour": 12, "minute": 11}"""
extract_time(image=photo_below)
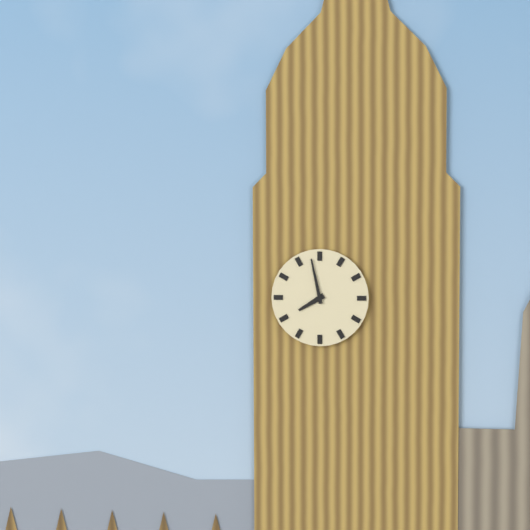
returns {"hour": 7, "minute": 58}
